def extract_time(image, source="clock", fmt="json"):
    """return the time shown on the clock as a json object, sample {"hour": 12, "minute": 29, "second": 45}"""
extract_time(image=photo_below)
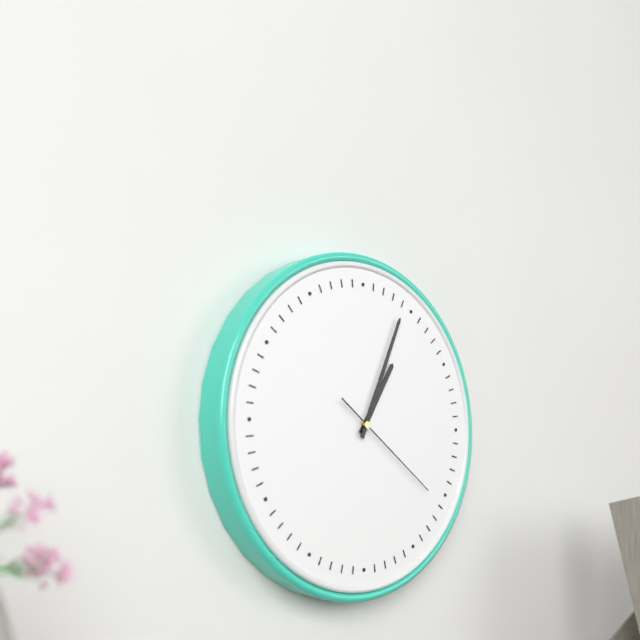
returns {"hour": 1, "minute": 4, "second": 21}
